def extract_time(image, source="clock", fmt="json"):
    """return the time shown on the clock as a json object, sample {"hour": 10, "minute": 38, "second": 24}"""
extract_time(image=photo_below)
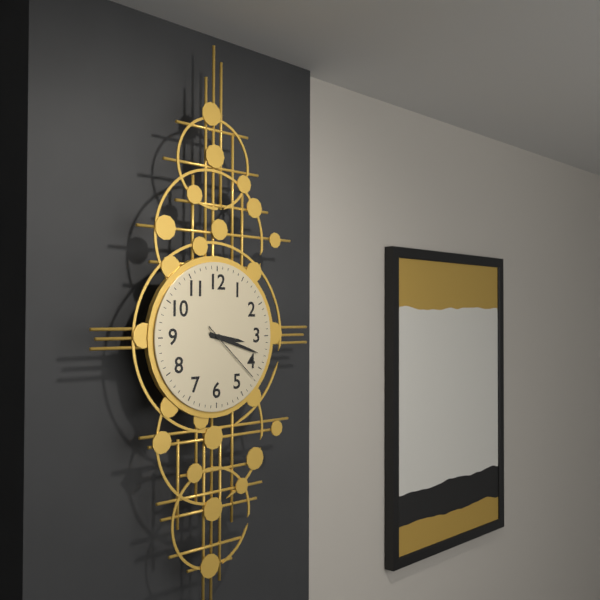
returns {"hour": 3, "minute": 18, "second": 22}
